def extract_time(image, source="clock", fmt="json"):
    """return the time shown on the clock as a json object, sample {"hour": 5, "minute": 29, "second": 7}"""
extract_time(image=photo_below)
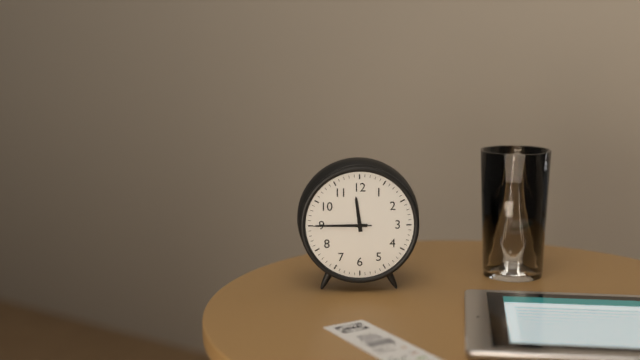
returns {"hour": 11, "minute": 45, "second": 45}
